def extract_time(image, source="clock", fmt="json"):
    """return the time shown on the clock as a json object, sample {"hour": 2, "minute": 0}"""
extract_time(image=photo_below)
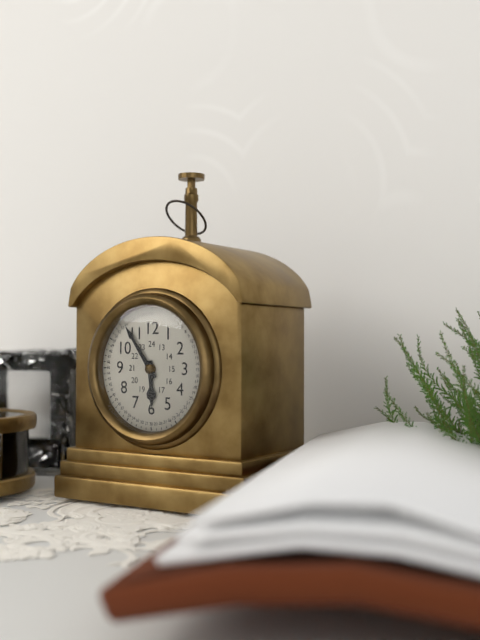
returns {"hour": 5, "minute": 54}
